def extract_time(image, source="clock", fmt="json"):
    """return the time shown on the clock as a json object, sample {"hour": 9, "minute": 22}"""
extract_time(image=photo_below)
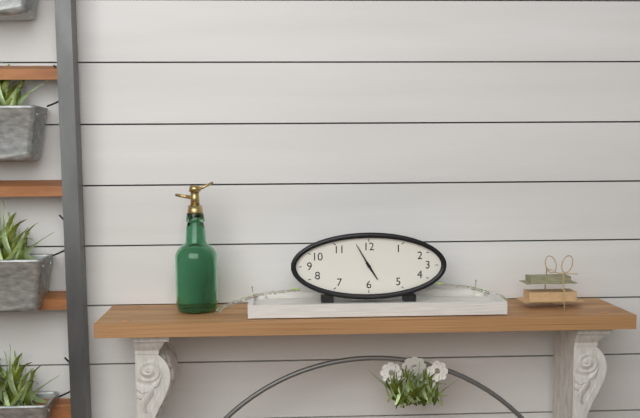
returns {"hour": 4, "minute": 55}
